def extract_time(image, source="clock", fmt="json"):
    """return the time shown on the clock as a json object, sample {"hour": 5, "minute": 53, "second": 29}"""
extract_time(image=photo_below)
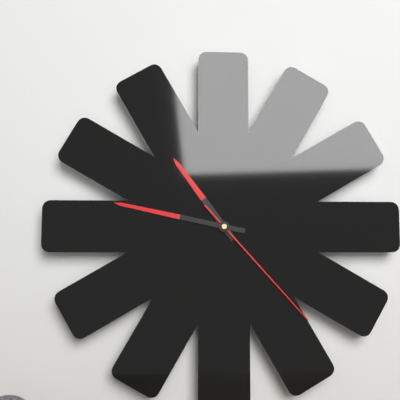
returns {"hour": 10, "minute": 47, "second": 23}
